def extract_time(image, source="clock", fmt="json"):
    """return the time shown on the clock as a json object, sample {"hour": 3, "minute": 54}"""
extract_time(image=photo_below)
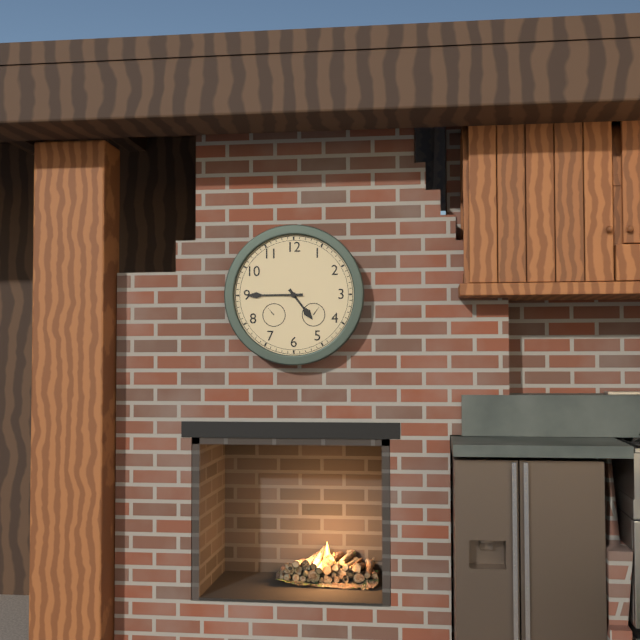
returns {"hour": 4, "minute": 45}
